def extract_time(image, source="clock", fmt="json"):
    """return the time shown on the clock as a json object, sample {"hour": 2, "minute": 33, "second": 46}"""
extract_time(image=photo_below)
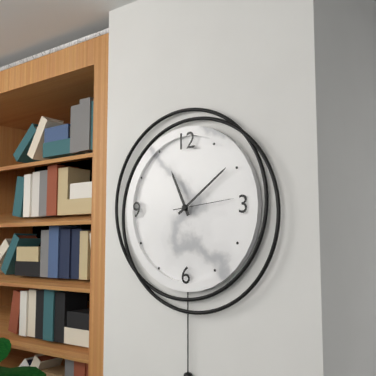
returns {"hour": 11, "minute": 9, "second": 14}
